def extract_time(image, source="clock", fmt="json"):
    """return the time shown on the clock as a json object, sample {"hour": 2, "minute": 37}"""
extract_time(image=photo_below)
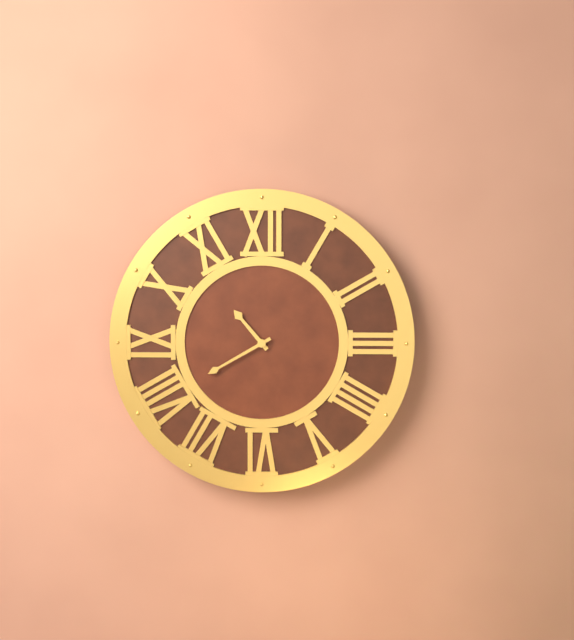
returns {"hour": 10, "minute": 40}
